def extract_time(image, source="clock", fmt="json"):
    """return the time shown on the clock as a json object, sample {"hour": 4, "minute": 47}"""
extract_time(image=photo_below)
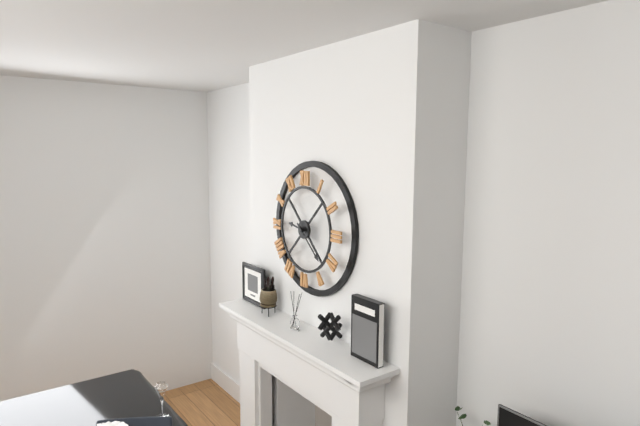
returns {"hour": 9, "minute": 22}
